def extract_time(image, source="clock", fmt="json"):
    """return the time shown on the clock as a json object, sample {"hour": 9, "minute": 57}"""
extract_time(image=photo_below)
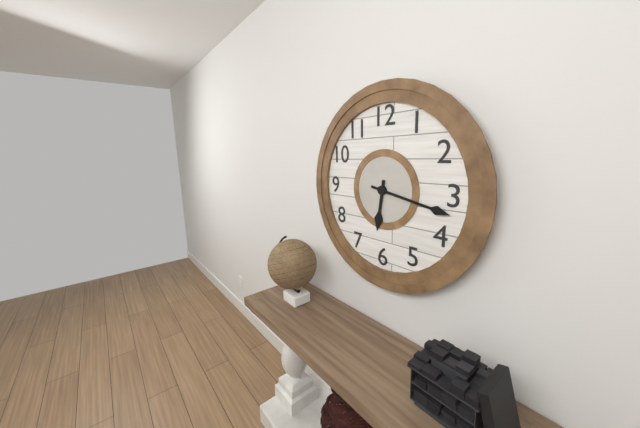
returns {"hour": 6, "minute": 17}
